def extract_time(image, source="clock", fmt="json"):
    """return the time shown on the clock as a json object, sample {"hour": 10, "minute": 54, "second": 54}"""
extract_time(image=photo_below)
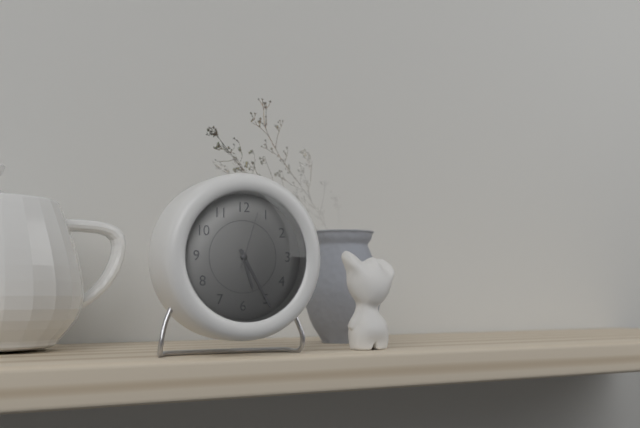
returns {"hour": 5, "minute": 25, "second": 3}
